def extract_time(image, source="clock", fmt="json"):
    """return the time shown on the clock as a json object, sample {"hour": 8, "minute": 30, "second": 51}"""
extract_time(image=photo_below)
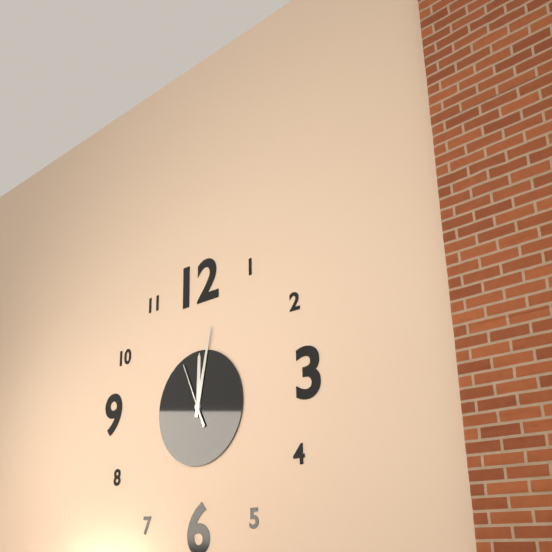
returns {"hour": 12, "minute": 2, "second": 56}
